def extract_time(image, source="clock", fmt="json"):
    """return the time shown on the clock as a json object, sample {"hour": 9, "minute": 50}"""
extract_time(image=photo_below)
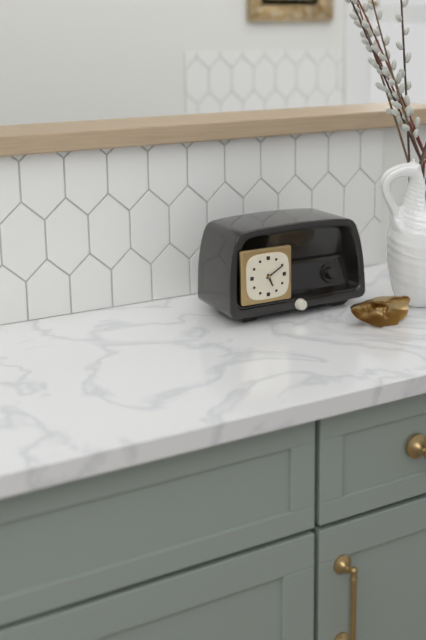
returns {"hour": 5, "minute": 10}
